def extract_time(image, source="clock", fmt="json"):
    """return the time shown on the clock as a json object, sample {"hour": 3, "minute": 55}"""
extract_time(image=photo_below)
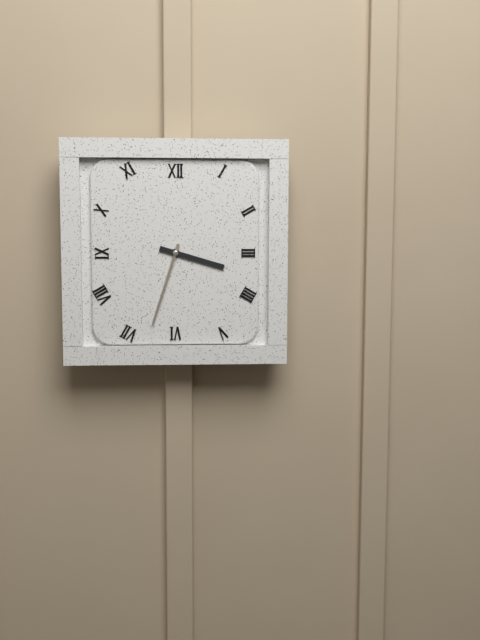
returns {"hour": 3, "minute": 33}
